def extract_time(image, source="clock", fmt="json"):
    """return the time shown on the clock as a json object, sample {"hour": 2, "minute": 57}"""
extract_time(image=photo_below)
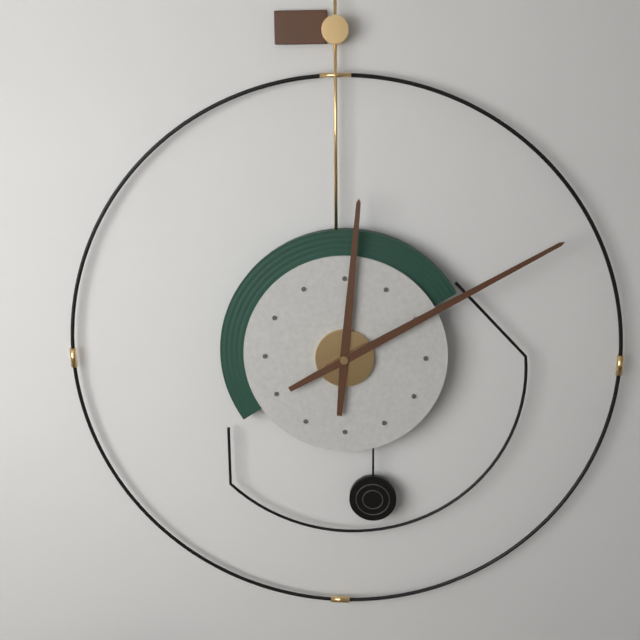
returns {"hour": 12, "minute": 10}
